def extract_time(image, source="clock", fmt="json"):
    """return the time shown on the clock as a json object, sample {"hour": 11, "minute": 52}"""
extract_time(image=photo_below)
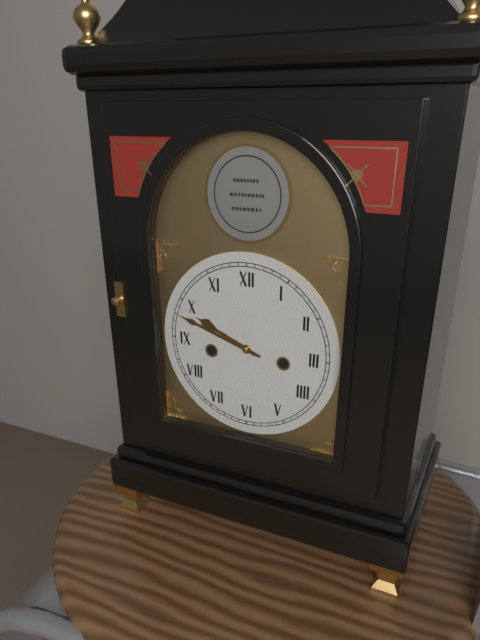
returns {"hour": 9, "minute": 48}
